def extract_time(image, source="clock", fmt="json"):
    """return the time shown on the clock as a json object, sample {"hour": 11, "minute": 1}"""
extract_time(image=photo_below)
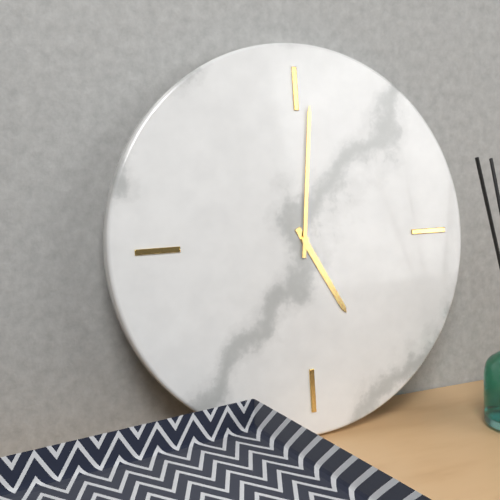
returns {"hour": 5, "minute": 1}
